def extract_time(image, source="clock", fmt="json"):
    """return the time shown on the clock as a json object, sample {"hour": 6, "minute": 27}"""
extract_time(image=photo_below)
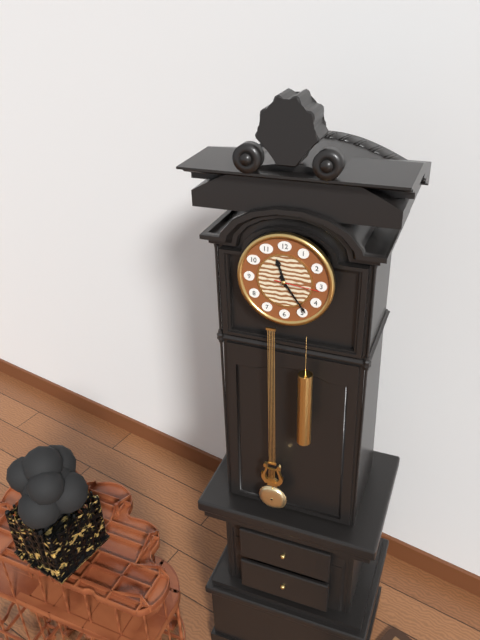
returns {"hour": 11, "minute": 24}
